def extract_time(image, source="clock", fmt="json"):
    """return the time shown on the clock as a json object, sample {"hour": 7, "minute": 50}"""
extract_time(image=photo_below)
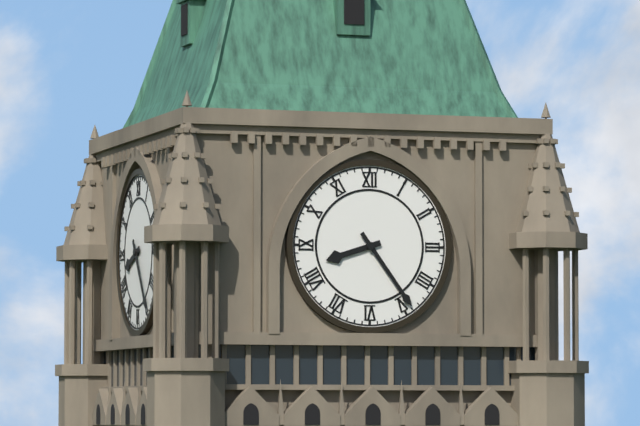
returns {"hour": 8, "minute": 24}
